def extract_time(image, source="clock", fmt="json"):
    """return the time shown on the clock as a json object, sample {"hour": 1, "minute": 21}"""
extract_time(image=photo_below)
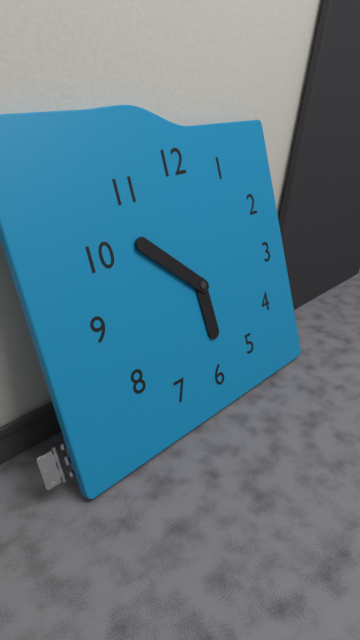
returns {"hour": 5, "minute": 52}
